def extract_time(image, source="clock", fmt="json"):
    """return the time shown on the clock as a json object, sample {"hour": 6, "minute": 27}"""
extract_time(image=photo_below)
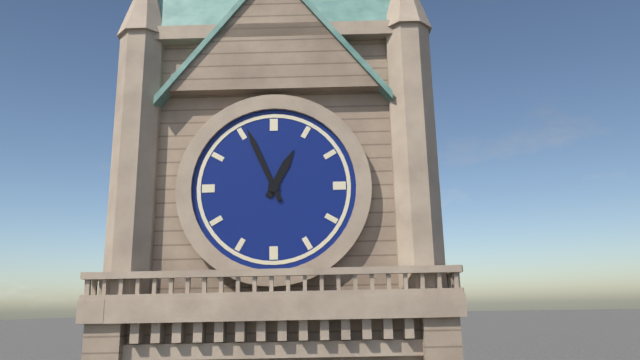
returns {"hour": 12, "minute": 56}
